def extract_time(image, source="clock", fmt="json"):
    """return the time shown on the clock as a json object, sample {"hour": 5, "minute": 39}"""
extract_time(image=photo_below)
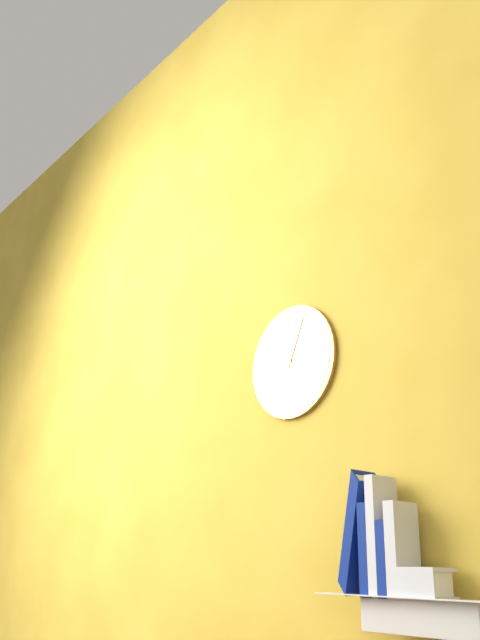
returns {"hour": 11, "minute": 4}
